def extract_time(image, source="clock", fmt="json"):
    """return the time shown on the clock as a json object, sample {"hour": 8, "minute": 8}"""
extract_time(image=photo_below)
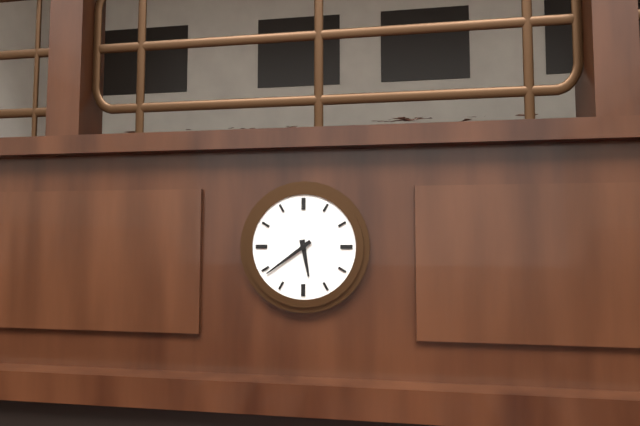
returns {"hour": 5, "minute": 39}
